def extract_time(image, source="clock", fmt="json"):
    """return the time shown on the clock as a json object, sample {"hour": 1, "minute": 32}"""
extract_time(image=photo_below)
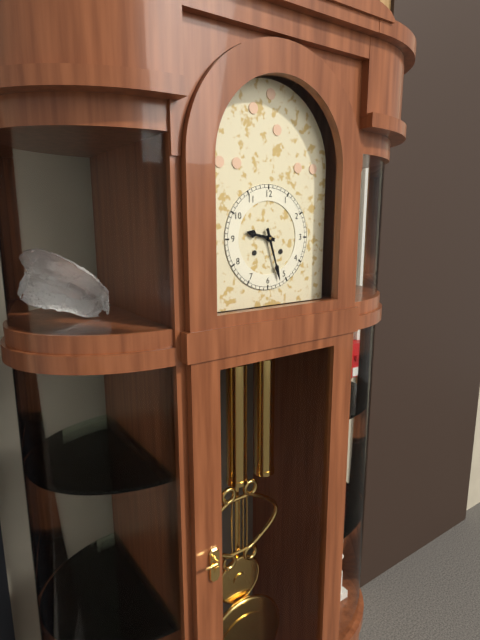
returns {"hour": 9, "minute": 27}
